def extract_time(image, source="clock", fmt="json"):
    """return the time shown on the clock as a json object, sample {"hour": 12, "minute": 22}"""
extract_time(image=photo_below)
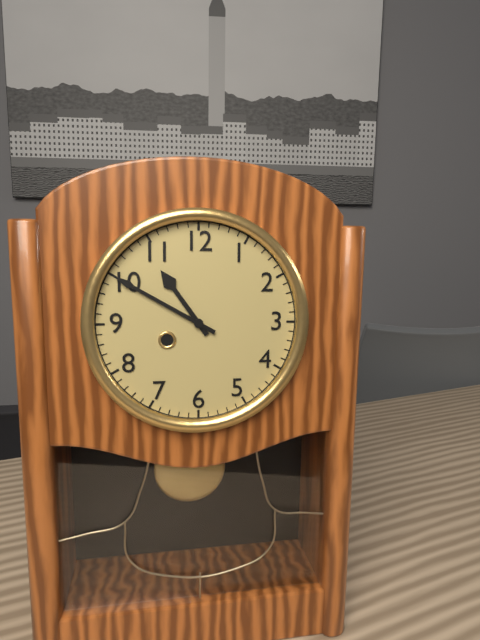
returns {"hour": 10, "minute": 50}
